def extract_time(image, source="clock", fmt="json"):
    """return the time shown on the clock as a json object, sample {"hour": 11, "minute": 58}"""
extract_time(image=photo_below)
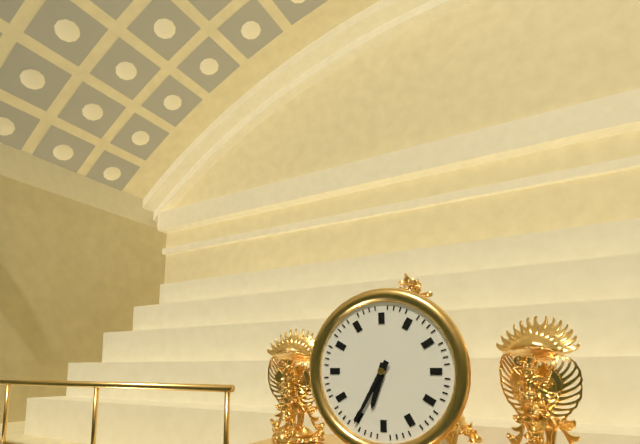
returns {"hour": 6, "minute": 35}
